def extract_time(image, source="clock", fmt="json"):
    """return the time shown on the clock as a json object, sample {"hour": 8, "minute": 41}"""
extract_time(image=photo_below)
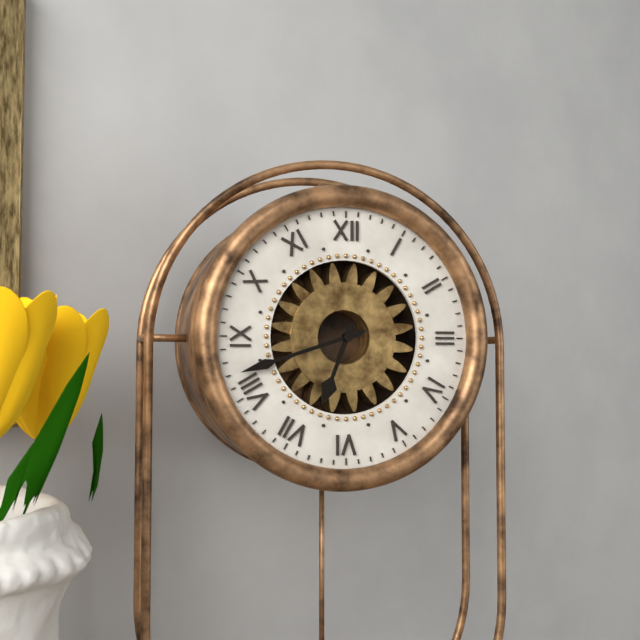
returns {"hour": 6, "minute": 42}
